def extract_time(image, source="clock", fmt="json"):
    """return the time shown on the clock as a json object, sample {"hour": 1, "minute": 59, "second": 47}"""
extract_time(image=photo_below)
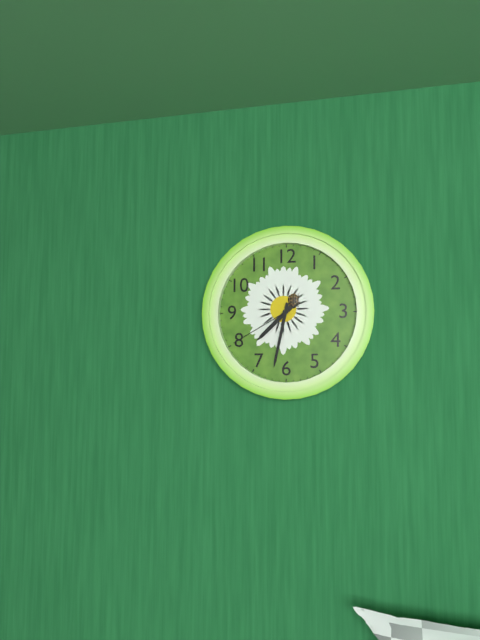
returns {"hour": 7, "minute": 32, "second": 40}
